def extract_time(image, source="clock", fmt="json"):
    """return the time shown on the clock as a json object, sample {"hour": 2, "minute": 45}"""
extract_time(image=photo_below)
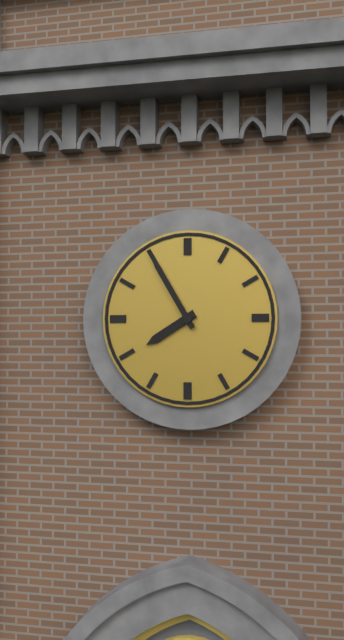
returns {"hour": 7, "minute": 55}
